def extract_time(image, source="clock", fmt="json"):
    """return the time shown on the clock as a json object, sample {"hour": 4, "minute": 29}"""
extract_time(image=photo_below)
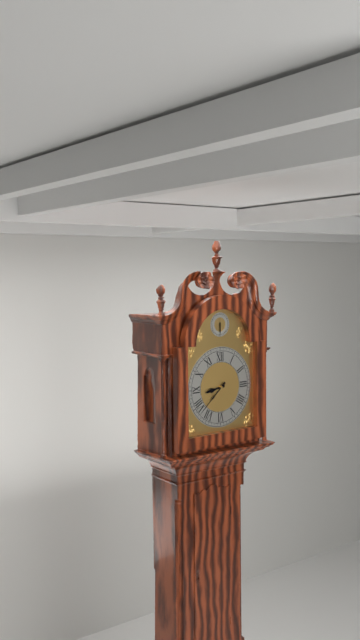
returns {"hour": 8, "minute": 38}
